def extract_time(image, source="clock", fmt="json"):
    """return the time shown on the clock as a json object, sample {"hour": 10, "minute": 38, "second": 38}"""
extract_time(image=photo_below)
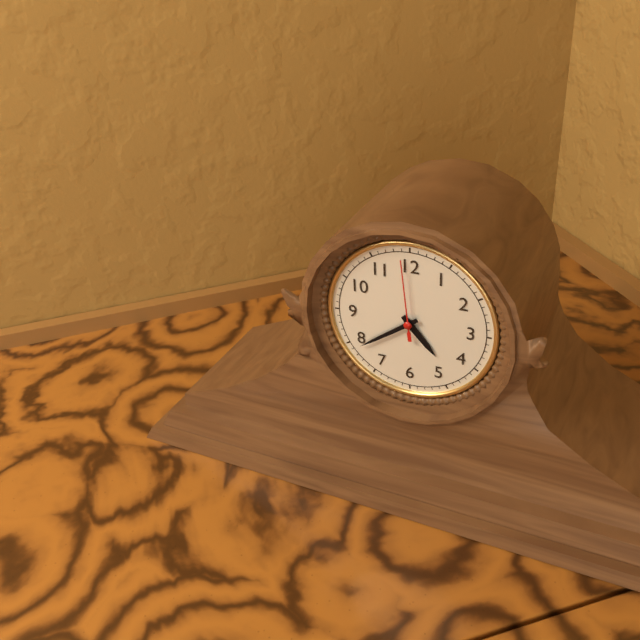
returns {"hour": 4, "minute": 39, "second": 59}
